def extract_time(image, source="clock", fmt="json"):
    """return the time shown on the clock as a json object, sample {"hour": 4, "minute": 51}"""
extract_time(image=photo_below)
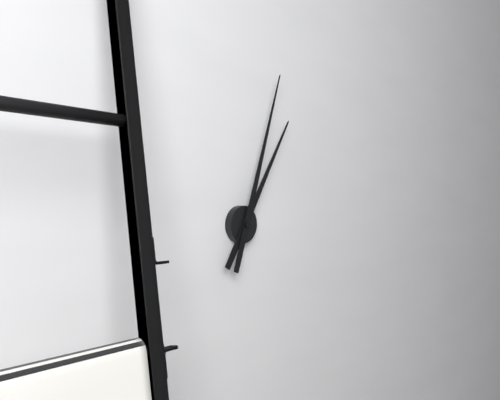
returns {"hour": 1, "minute": 3}
